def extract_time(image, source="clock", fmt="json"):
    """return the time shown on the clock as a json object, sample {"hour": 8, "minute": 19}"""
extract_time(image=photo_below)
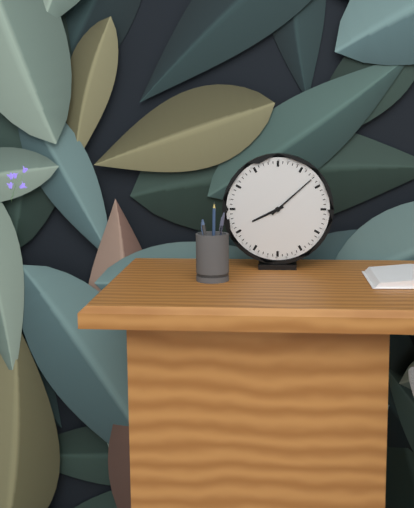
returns {"hour": 8, "minute": 8}
